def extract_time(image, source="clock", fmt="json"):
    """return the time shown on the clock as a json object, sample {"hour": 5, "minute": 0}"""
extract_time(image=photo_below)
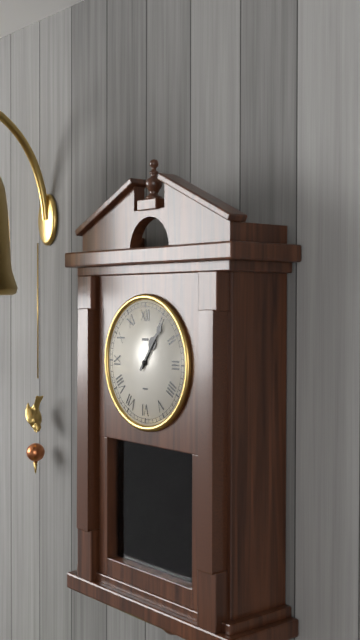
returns {"hour": 1, "minute": 6}
